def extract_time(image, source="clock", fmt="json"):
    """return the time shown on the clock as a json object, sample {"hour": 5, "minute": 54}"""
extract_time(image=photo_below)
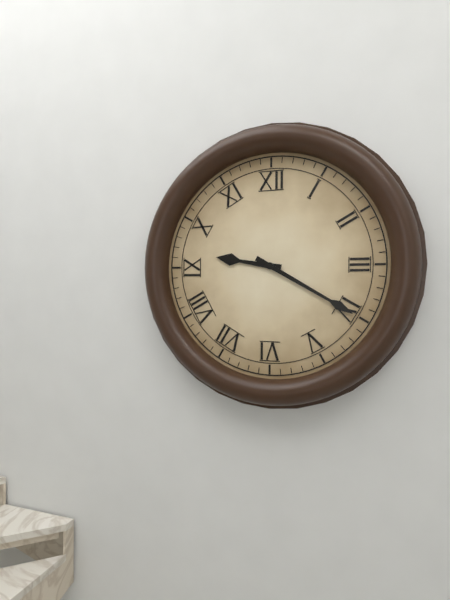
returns {"hour": 9, "minute": 20}
